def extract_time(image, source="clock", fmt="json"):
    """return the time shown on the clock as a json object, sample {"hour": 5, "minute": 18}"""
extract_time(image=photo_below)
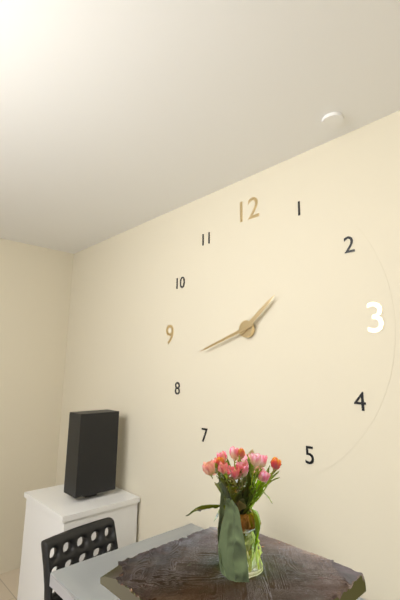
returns {"hour": 1, "minute": 42}
